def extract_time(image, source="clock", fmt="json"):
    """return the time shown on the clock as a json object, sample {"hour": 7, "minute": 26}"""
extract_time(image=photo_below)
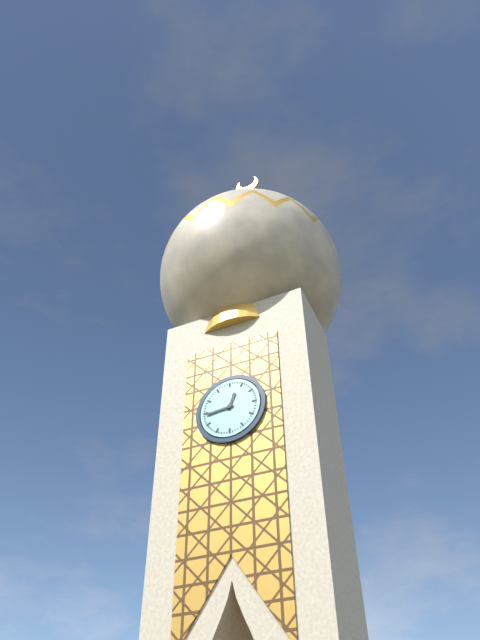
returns {"hour": 12, "minute": 44}
